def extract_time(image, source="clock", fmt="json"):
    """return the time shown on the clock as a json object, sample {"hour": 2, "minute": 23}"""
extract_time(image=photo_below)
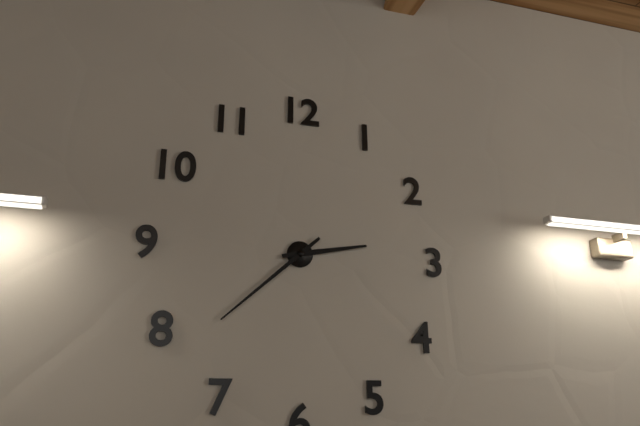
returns {"hour": 2, "minute": 38}
